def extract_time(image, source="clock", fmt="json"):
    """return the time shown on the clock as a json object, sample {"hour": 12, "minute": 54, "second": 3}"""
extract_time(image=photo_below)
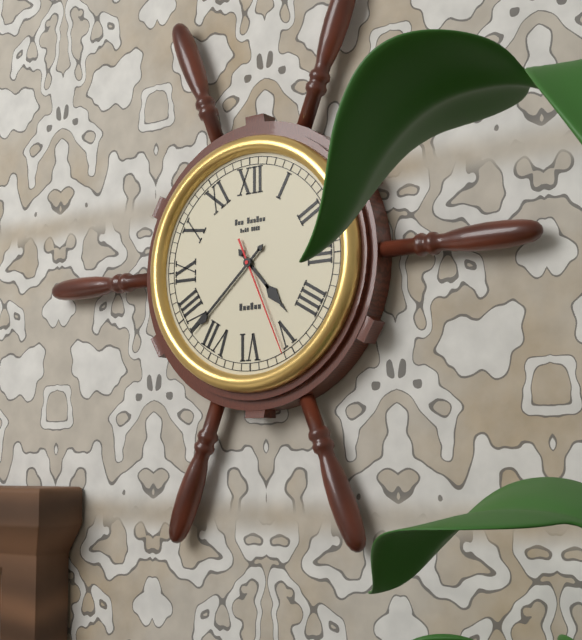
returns {"hour": 4, "minute": 38, "second": 26}
